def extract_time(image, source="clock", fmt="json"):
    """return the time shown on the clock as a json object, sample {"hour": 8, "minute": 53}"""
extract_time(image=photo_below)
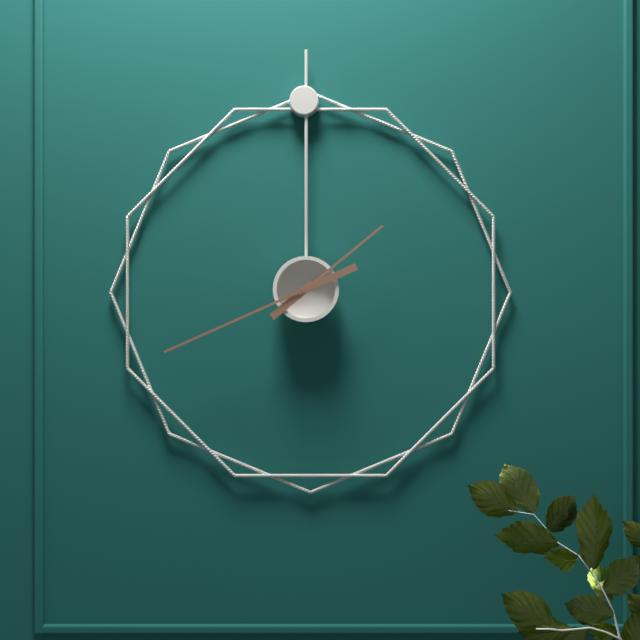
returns {"hour": 1, "minute": 41}
